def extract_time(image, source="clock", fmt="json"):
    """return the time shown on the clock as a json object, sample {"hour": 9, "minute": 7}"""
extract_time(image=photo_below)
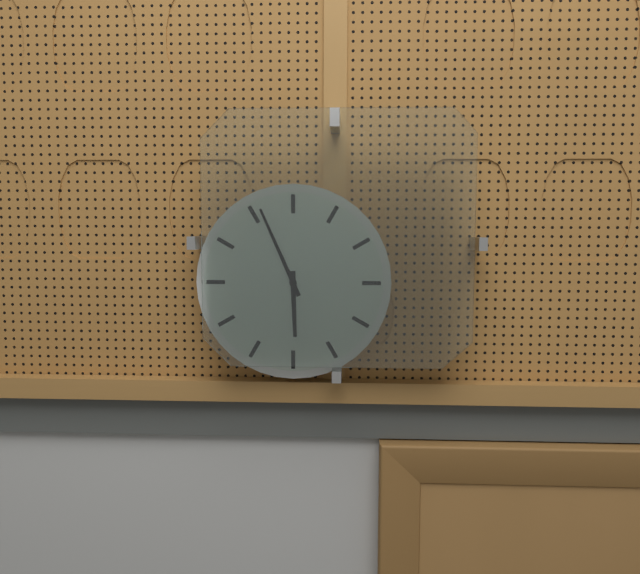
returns {"hour": 5, "minute": 56}
